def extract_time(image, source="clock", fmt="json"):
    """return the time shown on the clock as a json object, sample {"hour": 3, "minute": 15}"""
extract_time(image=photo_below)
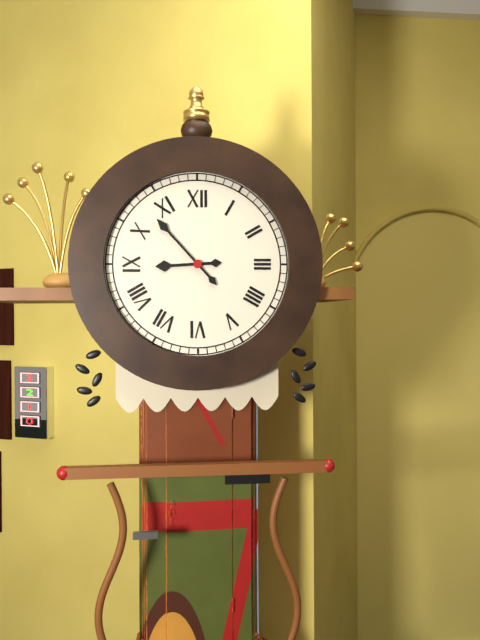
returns {"hour": 8, "minute": 53}
